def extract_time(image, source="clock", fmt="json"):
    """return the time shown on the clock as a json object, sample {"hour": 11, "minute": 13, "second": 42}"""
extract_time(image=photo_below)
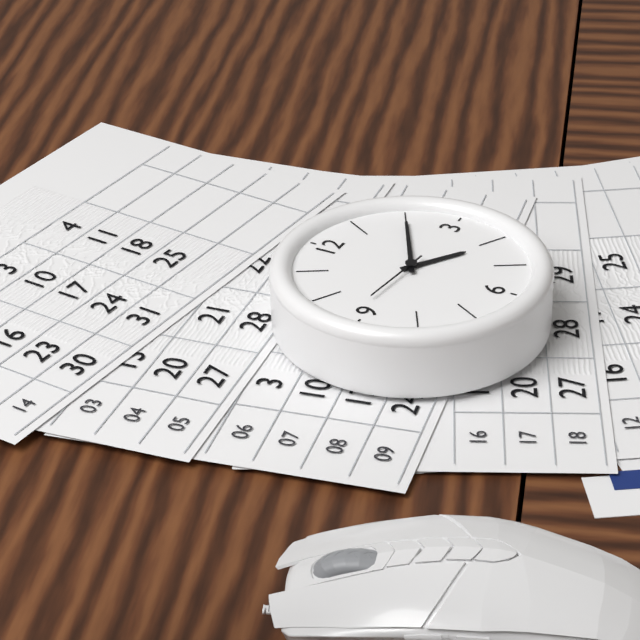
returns {"hour": 4, "minute": 10, "second": 46}
